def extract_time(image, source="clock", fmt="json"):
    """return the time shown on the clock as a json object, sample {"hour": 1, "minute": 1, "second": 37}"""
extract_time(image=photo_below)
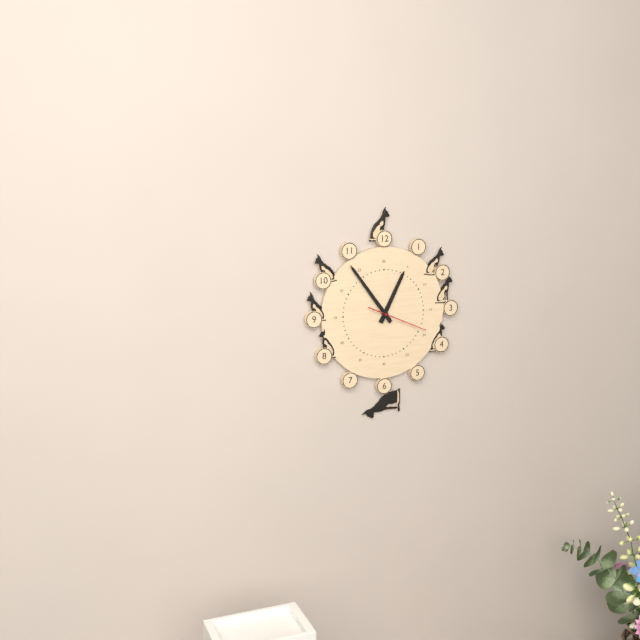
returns {"hour": 12, "minute": 54, "second": 19}
